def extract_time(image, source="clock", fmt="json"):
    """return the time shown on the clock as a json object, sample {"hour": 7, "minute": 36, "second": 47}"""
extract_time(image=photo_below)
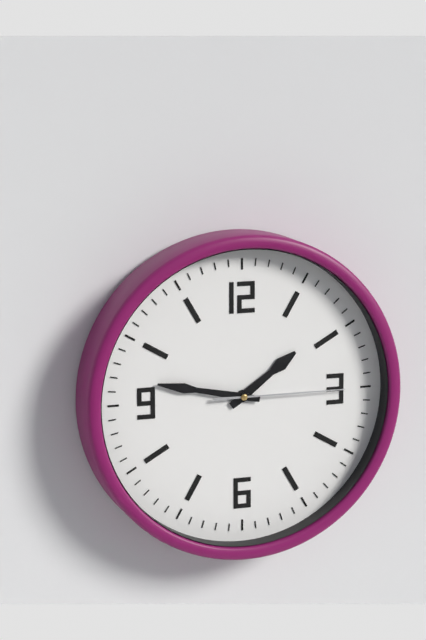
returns {"hour": 1, "minute": 47, "second": 15}
